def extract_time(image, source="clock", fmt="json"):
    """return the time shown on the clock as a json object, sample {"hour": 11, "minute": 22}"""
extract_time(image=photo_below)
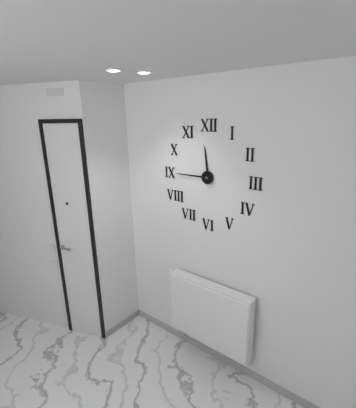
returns {"hour": 11, "minute": 45}
